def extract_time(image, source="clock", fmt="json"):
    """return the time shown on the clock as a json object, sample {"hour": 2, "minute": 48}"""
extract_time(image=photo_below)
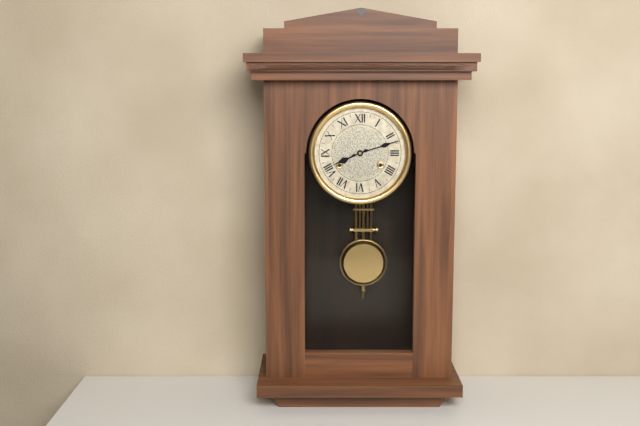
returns {"hour": 8, "minute": 12}
